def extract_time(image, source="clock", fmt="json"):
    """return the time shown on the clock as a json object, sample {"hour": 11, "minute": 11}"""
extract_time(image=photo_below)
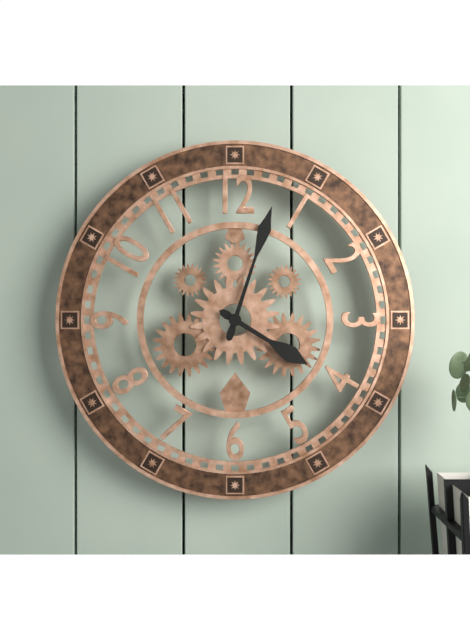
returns {"hour": 4, "minute": 3}
